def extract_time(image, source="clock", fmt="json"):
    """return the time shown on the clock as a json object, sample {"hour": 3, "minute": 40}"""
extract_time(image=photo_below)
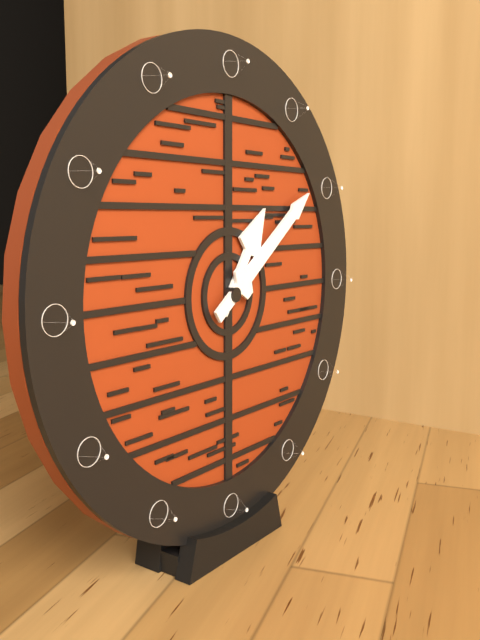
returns {"hour": 1, "minute": 9}
